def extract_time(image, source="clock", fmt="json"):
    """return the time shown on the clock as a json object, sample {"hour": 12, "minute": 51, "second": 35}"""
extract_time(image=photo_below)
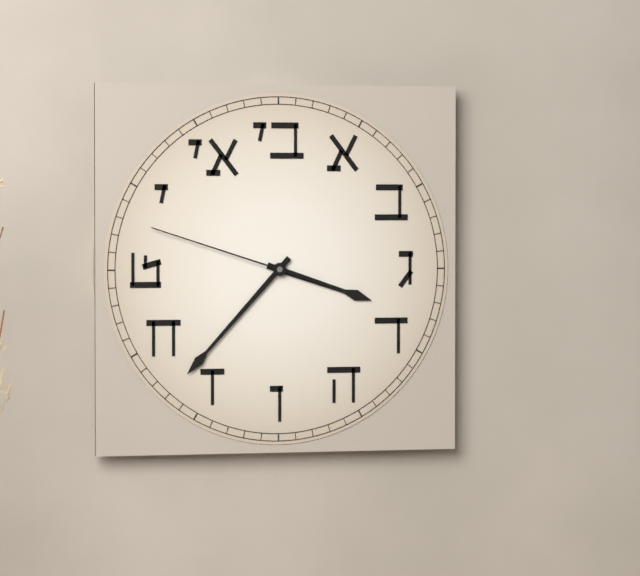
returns {"hour": 3, "minute": 37, "second": 48}
